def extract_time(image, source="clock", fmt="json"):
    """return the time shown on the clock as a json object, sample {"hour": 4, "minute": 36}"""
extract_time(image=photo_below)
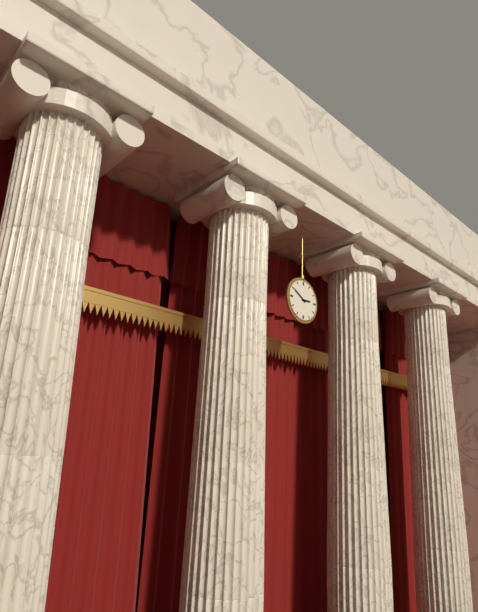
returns {"hour": 2, "minute": 50}
